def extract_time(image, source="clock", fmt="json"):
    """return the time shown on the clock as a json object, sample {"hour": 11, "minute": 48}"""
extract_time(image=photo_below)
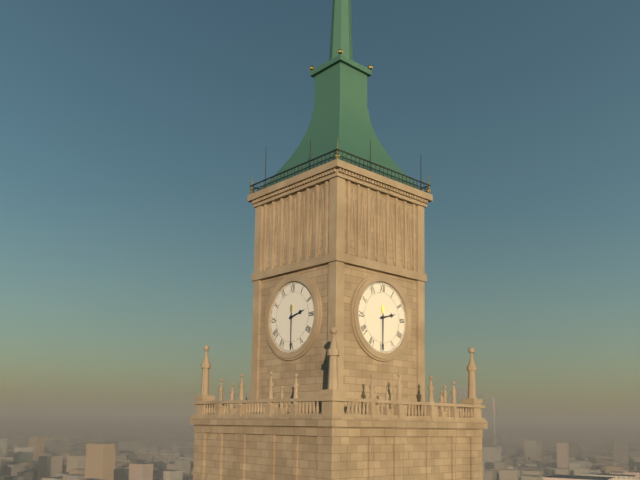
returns {"hour": 2, "minute": 30}
